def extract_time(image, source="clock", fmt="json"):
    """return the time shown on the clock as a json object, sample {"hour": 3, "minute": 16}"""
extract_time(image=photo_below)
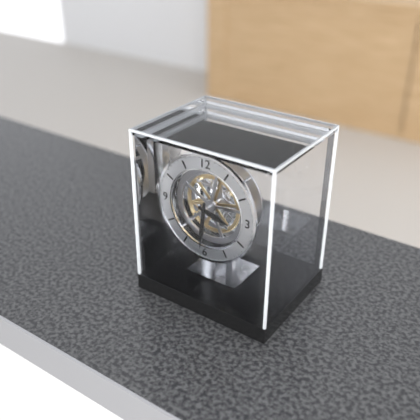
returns {"hour": 3, "minute": 31}
